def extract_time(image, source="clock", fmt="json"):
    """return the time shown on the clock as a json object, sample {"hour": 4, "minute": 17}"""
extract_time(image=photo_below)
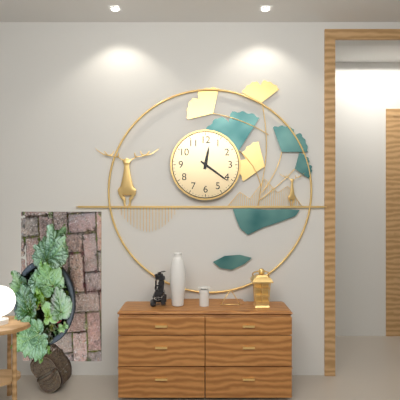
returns {"hour": 12, "minute": 21}
